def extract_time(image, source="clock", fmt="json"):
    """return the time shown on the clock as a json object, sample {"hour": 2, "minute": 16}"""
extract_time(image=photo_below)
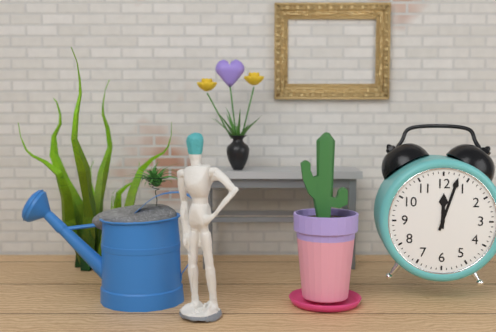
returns {"hour": 12, "minute": 3}
